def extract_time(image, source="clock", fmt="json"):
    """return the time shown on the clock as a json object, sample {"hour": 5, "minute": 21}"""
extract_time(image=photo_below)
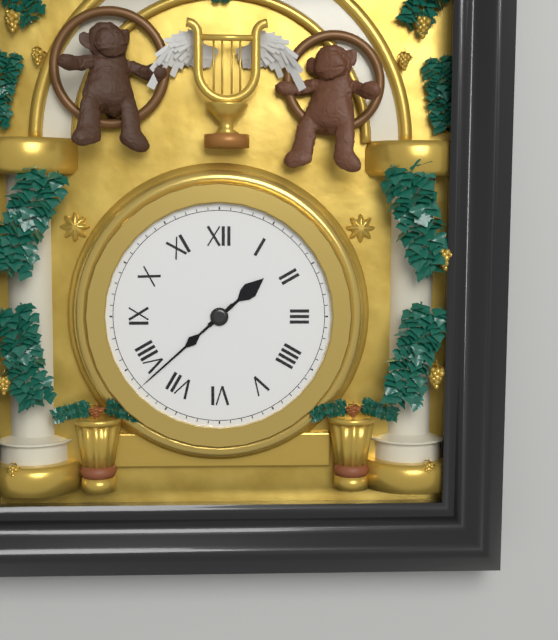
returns {"hour": 1, "minute": 38}
